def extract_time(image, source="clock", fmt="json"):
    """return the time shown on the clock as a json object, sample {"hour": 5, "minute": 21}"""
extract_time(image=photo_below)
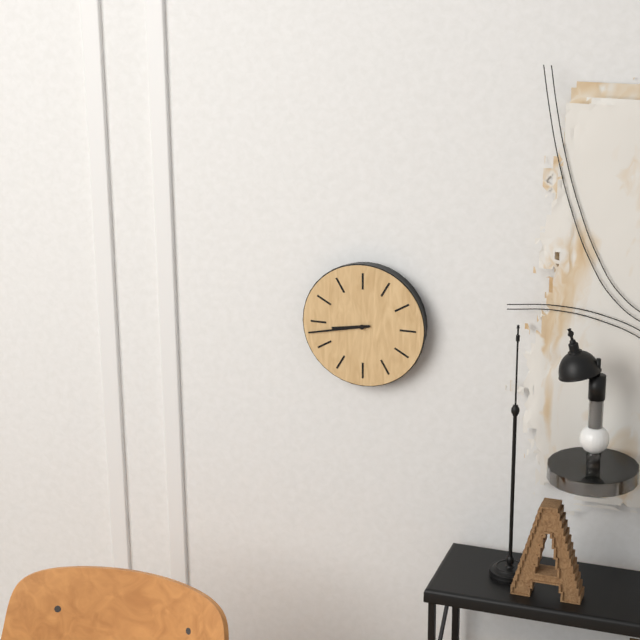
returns {"hour": 8, "minute": 43}
